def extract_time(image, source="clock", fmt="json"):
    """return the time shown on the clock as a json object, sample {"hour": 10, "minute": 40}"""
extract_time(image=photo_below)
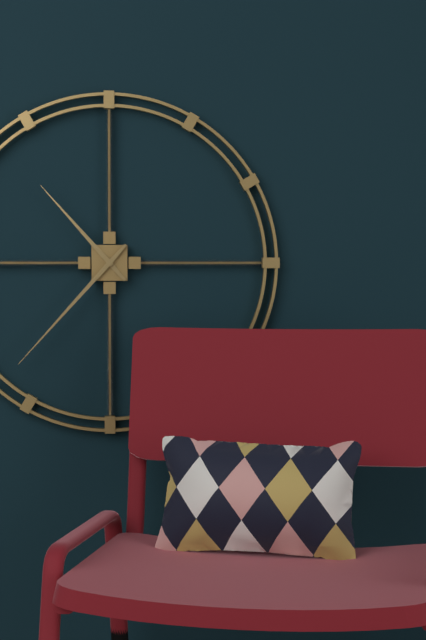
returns {"hour": 10, "minute": 37}
